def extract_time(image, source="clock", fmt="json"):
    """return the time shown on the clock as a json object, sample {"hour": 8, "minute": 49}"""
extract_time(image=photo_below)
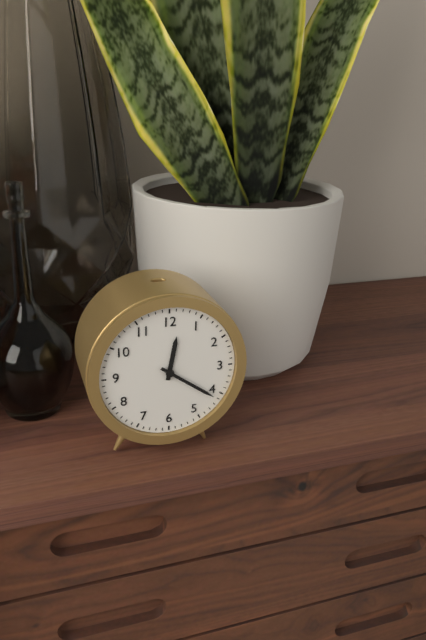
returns {"hour": 12, "minute": 21}
